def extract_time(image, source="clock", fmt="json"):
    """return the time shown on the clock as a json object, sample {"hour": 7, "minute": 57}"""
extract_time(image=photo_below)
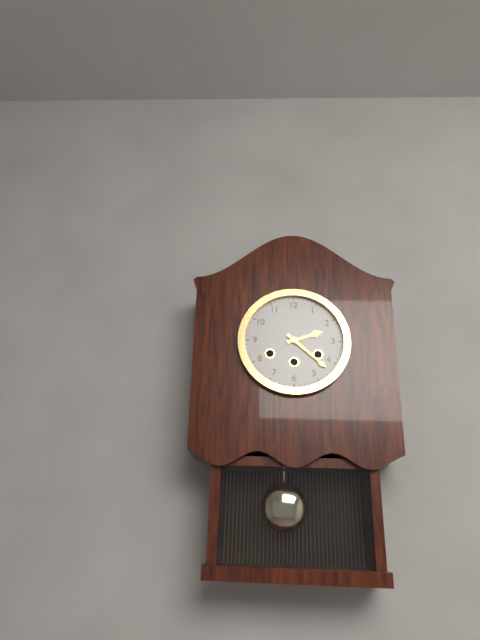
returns {"hour": 2, "minute": 22}
